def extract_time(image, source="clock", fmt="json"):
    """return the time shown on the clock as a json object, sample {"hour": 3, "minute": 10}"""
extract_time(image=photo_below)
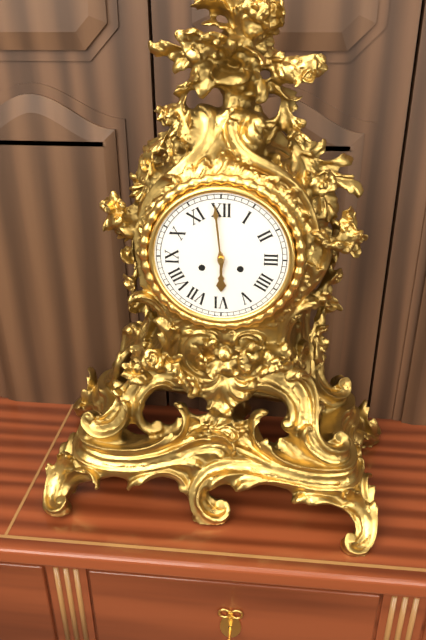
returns {"hour": 5, "minute": 59}
